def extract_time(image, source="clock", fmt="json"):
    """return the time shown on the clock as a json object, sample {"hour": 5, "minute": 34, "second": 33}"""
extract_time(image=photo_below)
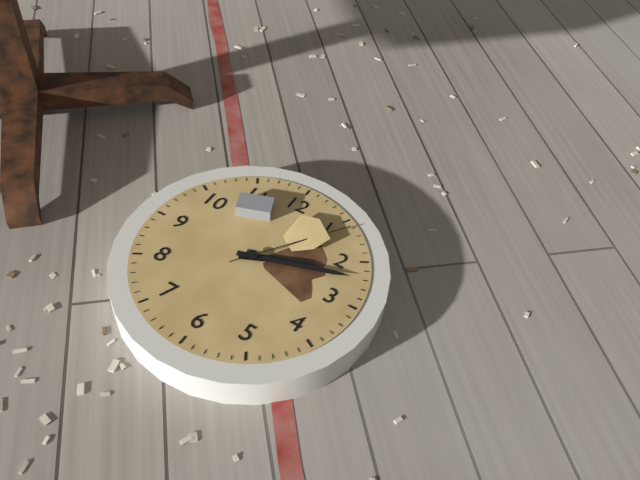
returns {"hour": 2, "minute": 12, "second": 6}
